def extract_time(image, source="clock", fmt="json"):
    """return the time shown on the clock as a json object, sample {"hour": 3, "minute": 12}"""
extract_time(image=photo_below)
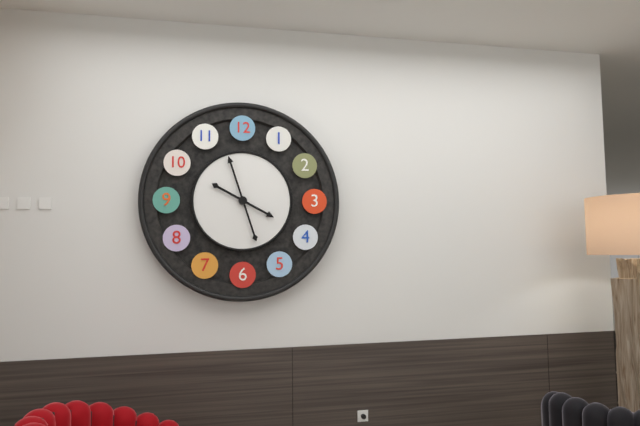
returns {"hour": 3, "minute": 57}
